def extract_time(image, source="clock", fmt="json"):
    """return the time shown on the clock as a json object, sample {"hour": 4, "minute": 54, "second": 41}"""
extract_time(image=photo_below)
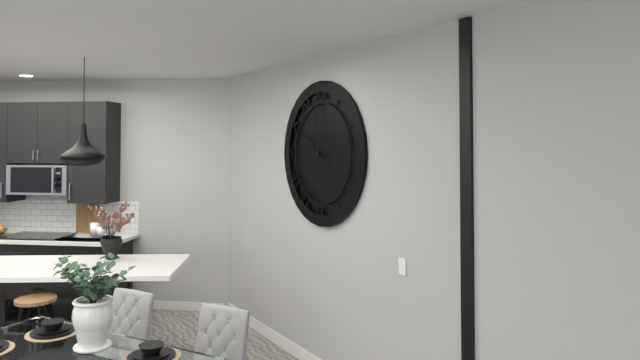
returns {"hour": 9, "minute": 59, "second": 20}
